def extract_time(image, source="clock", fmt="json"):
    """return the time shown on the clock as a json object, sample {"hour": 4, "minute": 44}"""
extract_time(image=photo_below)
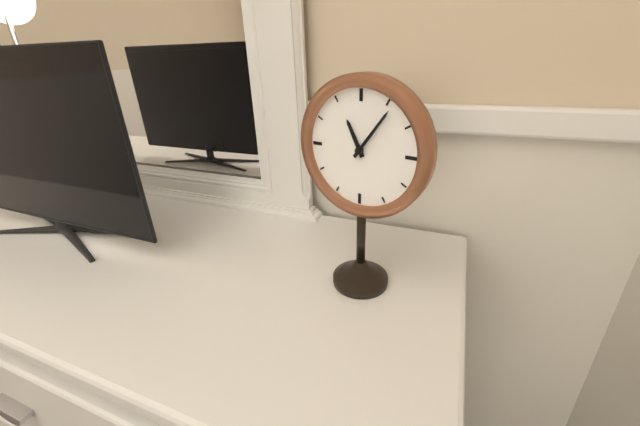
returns {"hour": 11, "minute": 6}
